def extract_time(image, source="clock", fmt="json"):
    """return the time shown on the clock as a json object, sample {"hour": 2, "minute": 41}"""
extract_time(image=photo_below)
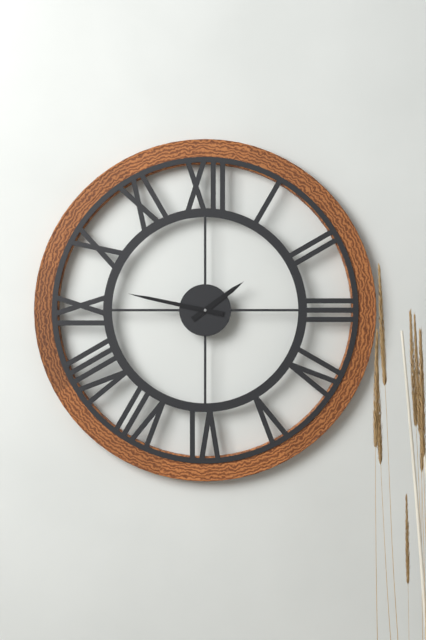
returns {"hour": 1, "minute": 47}
